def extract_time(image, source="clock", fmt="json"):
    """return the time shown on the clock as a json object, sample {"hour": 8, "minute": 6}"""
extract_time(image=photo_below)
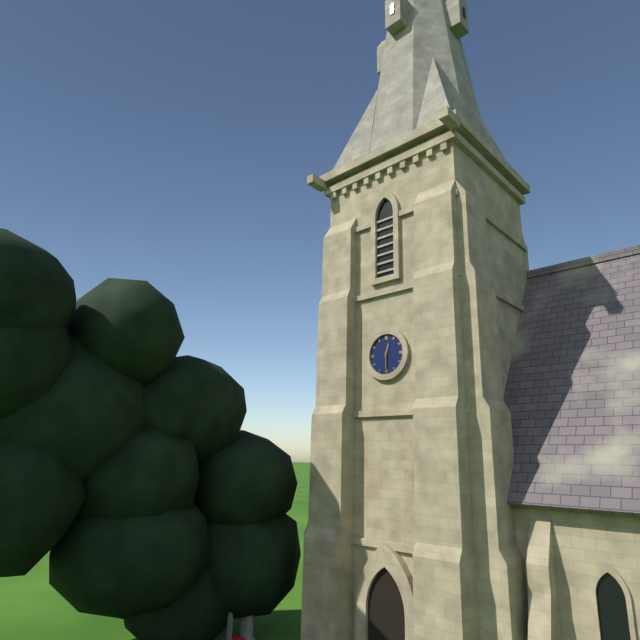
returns {"hour": 12, "minute": 30}
